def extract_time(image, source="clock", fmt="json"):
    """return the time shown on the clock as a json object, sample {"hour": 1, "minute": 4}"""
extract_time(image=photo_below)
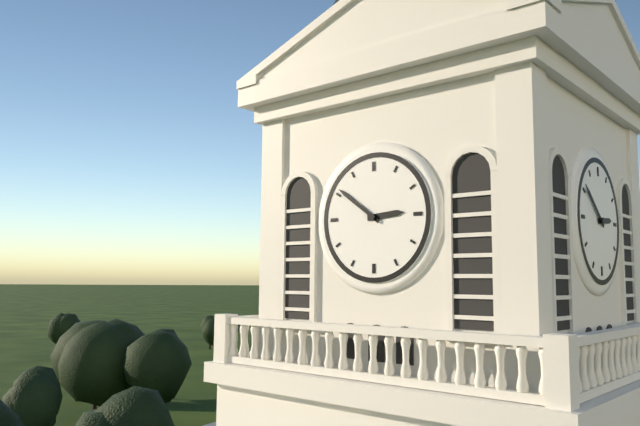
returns {"hour": 2, "minute": 51}
